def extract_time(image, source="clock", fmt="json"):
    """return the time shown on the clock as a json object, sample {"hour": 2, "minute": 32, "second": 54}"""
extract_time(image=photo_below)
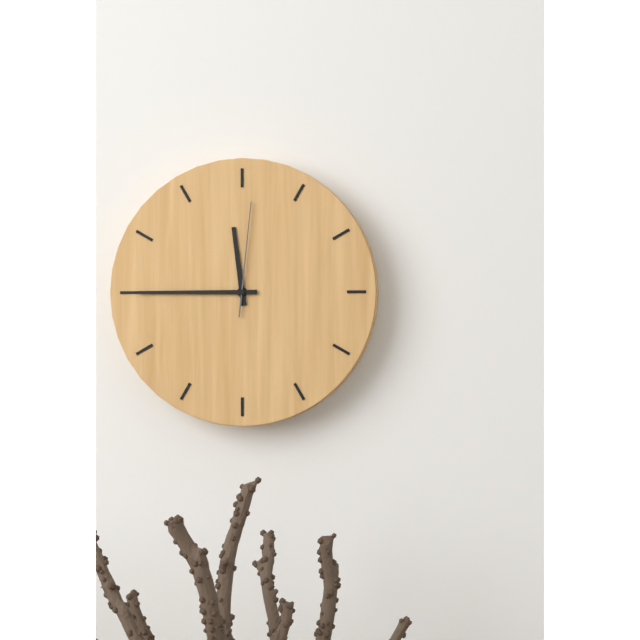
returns {"hour": 11, "minute": 45, "second": 1}
